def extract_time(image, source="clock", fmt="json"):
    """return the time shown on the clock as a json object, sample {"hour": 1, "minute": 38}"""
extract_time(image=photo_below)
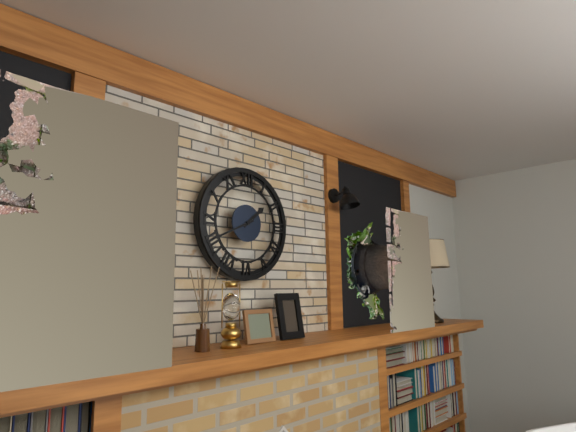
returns {"hour": 1, "minute": 41}
